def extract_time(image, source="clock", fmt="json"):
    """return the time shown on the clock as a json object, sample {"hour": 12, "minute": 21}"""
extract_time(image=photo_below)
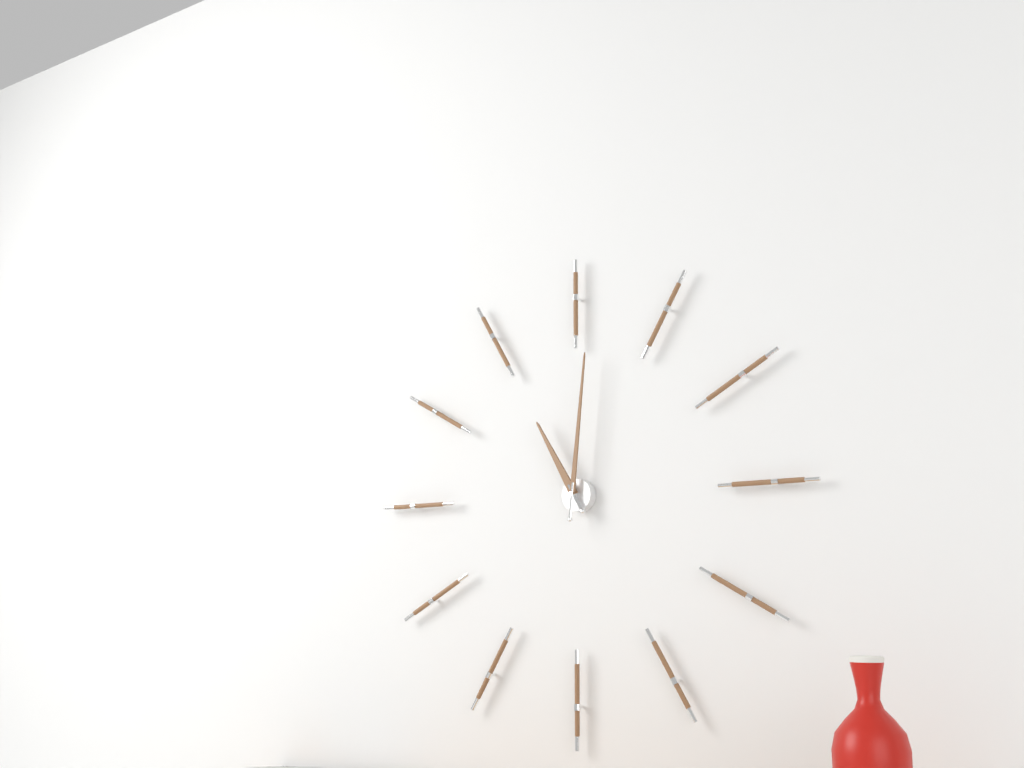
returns {"hour": 11, "minute": 1}
